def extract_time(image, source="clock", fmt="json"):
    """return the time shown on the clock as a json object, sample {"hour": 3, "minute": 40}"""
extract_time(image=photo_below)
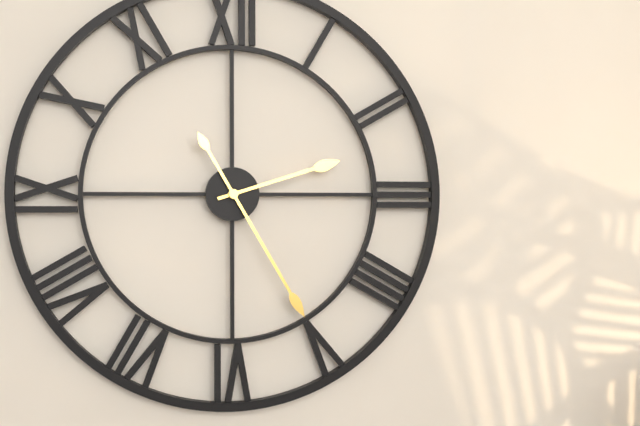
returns {"hour": 2, "minute": 25}
